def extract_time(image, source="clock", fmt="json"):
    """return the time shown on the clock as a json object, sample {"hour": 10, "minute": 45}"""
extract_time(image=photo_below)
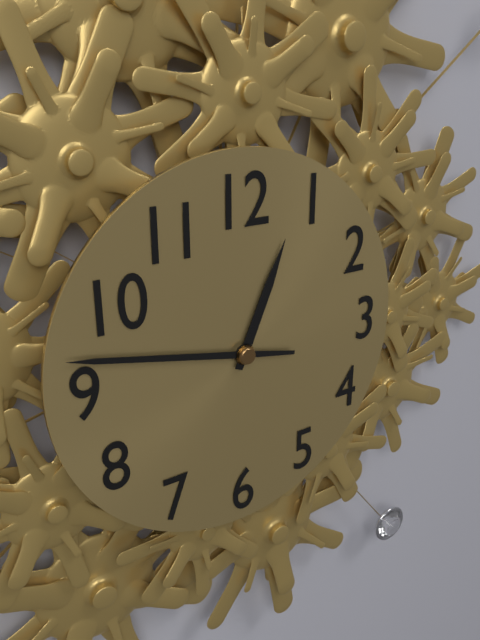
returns {"hour": 12, "minute": 47}
